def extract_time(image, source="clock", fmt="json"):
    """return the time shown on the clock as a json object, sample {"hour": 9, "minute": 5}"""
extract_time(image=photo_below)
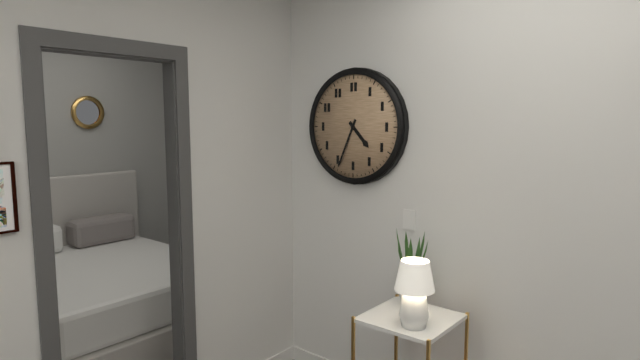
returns {"hour": 4, "minute": 34}
